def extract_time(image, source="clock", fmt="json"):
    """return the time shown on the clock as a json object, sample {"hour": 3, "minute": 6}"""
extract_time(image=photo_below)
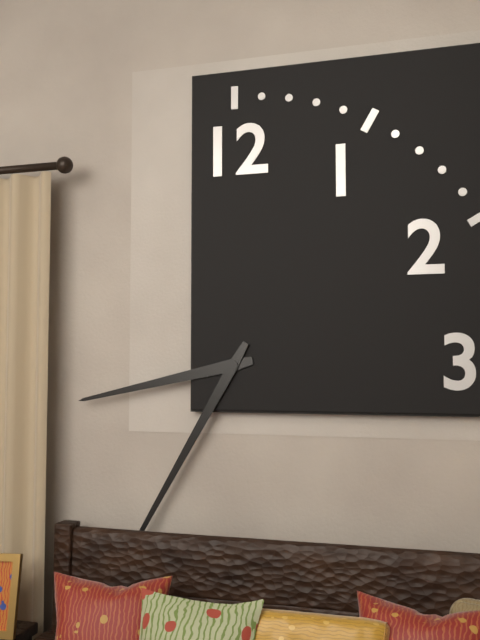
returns {"hour": 8, "minute": 35}
